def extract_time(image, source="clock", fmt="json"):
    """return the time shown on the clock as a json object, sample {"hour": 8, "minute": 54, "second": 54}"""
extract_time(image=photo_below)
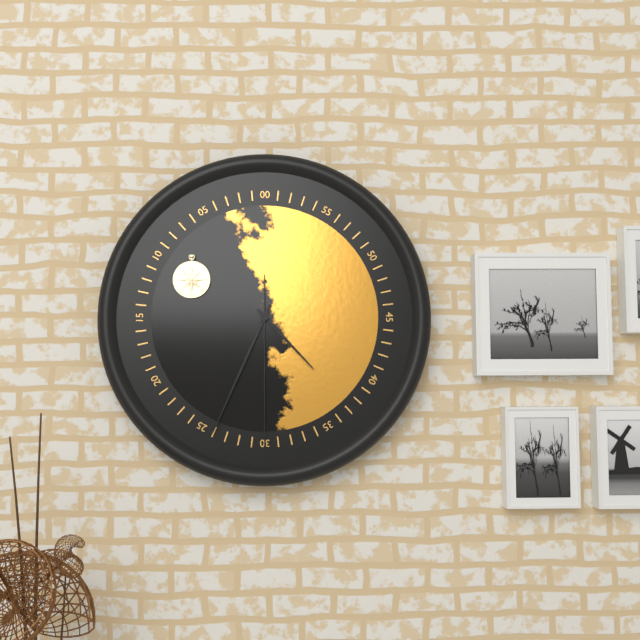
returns {"hour": 4, "minute": 34, "second": 30}
